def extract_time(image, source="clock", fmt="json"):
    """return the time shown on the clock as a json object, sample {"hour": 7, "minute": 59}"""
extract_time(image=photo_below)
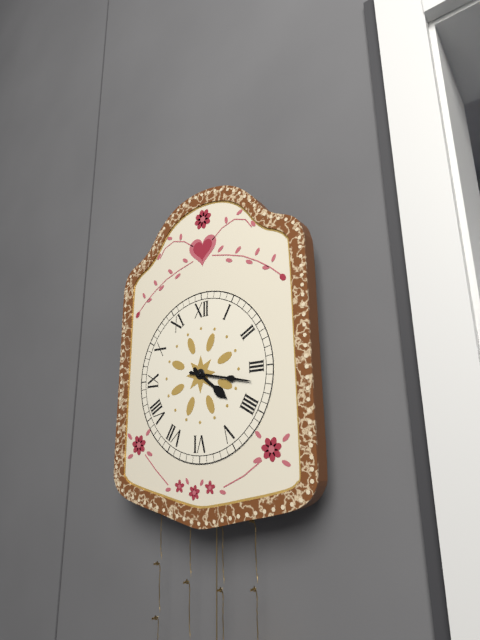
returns {"hour": 4, "minute": 17}
